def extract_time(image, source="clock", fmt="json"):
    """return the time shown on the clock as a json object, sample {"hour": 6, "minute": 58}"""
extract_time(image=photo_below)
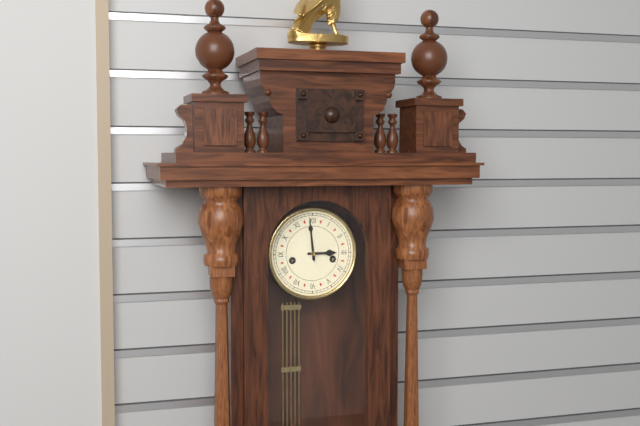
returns {"hour": 2, "minute": 59}
